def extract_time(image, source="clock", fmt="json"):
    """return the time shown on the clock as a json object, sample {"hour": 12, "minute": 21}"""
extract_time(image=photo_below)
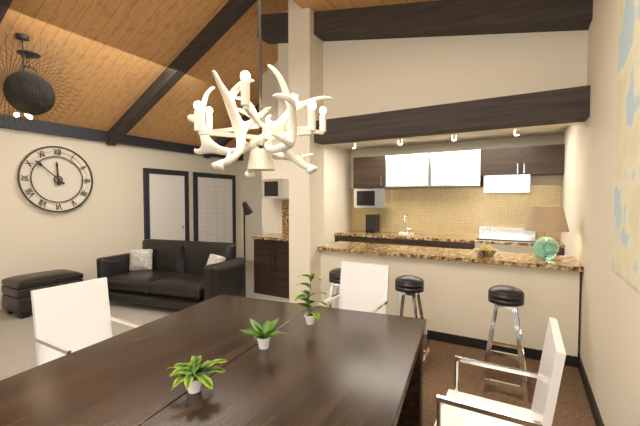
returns {"hour": 11, "minute": 52}
